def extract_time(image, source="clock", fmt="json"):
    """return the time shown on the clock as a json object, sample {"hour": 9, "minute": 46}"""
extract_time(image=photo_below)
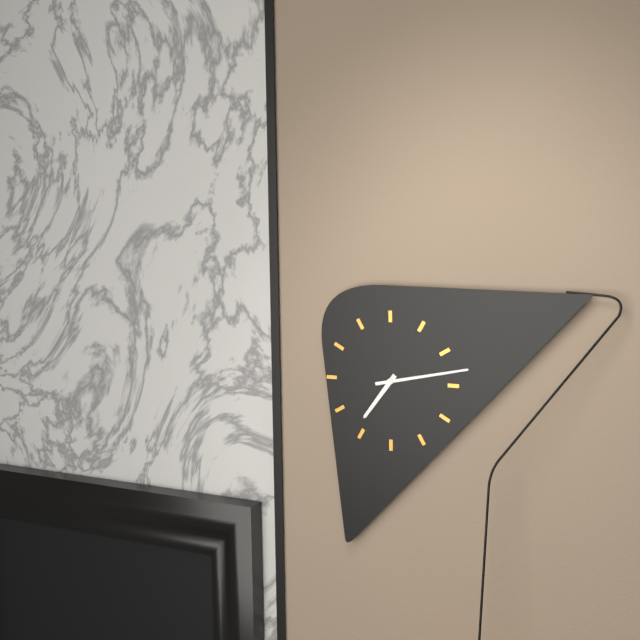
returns {"hour": 7, "minute": 13}
